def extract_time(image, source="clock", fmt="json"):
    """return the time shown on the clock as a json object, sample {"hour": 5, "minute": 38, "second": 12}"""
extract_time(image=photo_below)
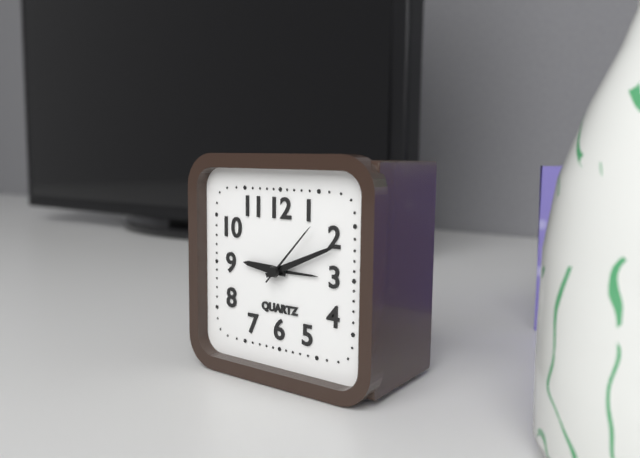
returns {"hour": 9, "minute": 11, "second": 7}
